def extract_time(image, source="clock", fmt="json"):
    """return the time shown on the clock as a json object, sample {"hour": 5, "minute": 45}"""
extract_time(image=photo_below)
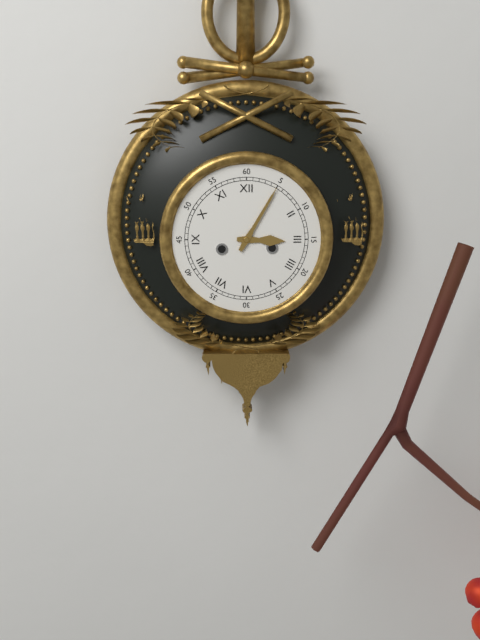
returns {"hour": 3, "minute": 5}
